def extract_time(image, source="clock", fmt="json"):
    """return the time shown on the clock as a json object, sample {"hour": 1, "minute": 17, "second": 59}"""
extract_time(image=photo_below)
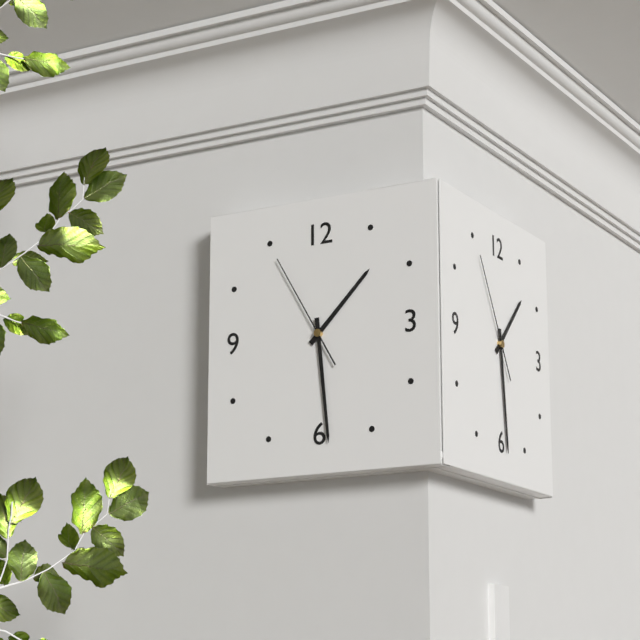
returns {"hour": 1, "minute": 29, "second": 55}
